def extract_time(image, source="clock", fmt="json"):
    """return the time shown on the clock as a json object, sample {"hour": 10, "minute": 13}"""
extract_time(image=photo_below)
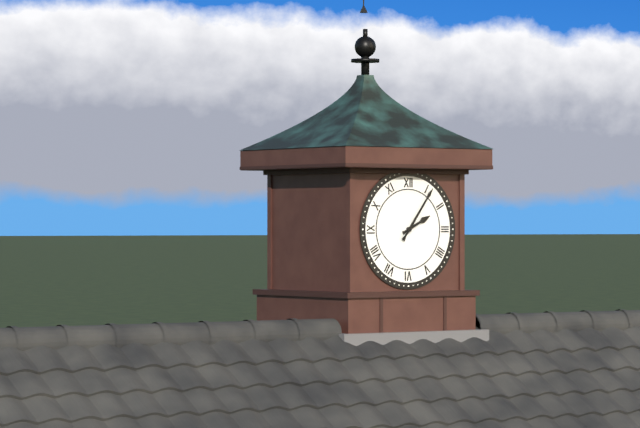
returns {"hour": 2, "minute": 6}
